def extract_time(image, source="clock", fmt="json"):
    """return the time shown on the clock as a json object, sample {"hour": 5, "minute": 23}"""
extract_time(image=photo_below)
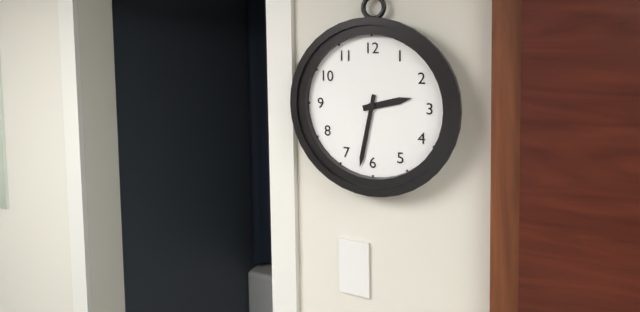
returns {"hour": 2, "minute": 32}
